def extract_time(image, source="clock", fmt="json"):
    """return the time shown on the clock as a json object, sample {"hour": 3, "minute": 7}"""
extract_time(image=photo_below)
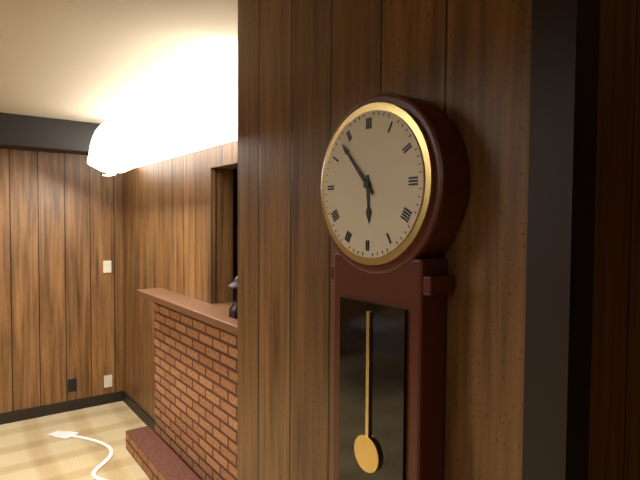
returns {"hour": 5, "minute": 53}
